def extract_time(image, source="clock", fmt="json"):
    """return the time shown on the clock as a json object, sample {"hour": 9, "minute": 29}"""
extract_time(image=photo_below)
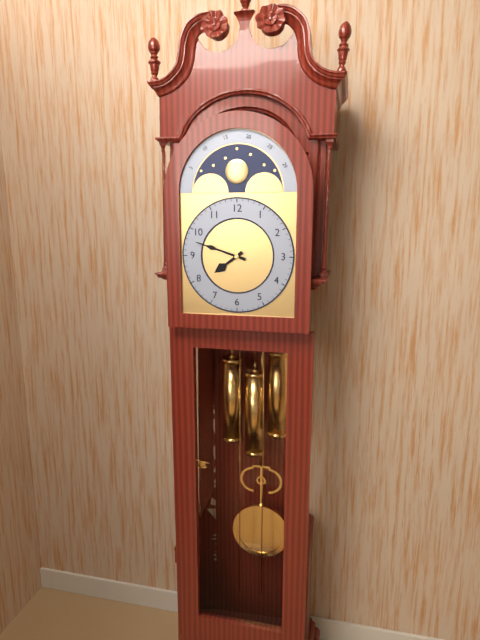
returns {"hour": 7, "minute": 48}
